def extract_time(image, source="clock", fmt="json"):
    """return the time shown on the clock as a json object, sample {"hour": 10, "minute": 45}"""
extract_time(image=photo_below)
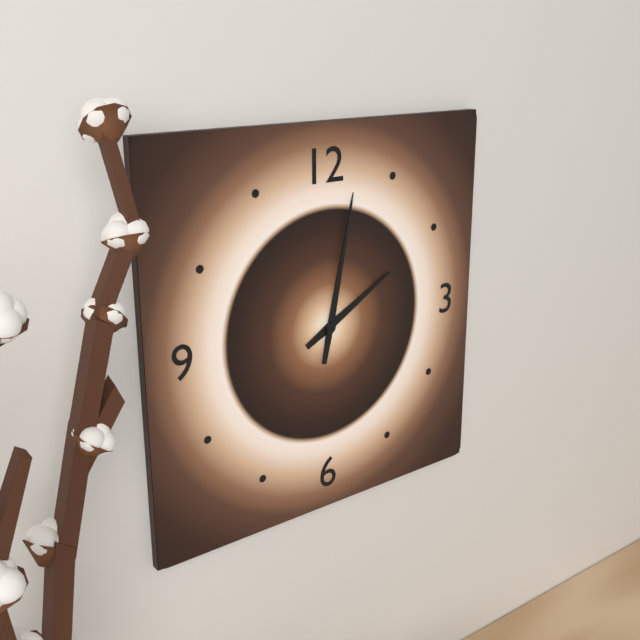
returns {"hour": 2, "minute": 2}
